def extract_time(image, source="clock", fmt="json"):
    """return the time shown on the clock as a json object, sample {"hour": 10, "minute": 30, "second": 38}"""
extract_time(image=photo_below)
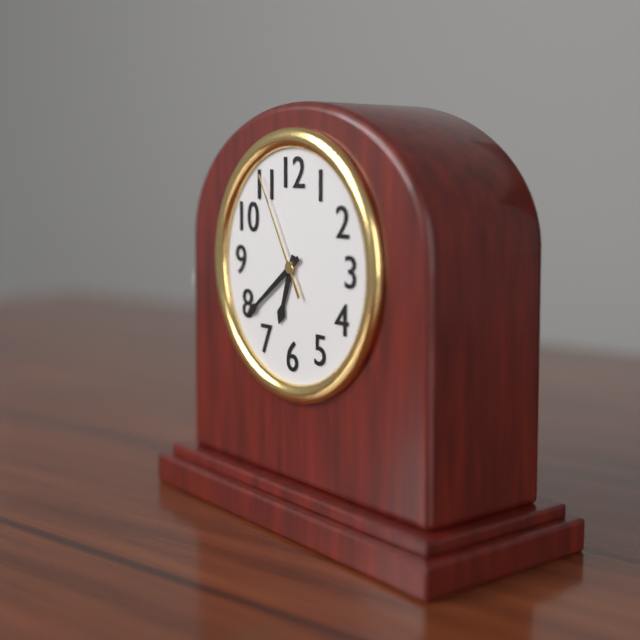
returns {"hour": 6, "minute": 39, "second": 55}
